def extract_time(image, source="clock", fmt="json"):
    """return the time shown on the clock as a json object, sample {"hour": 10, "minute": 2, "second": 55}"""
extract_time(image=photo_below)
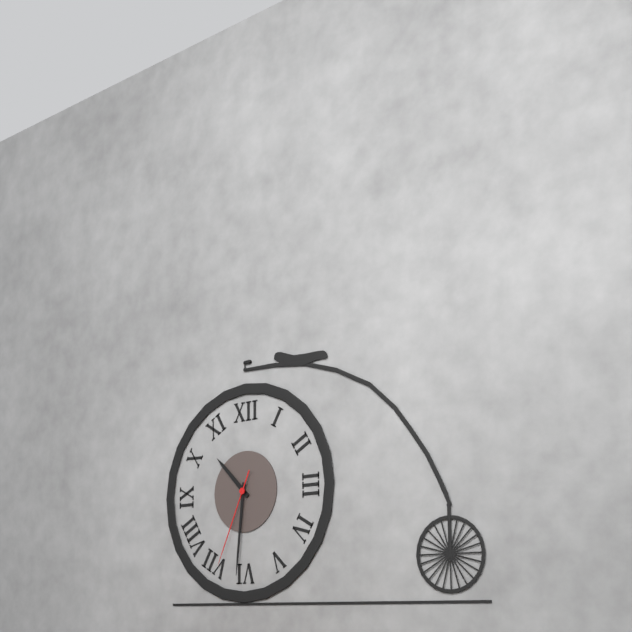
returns {"hour": 10, "minute": 31, "second": 34}
